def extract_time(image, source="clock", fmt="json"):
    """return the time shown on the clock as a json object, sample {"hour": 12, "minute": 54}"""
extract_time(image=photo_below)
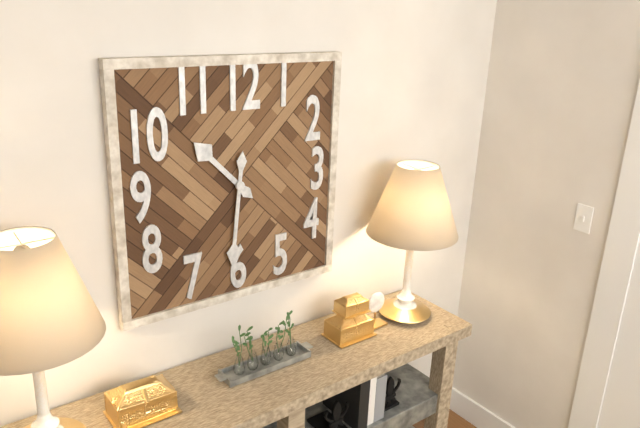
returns {"hour": 10, "minute": 31}
